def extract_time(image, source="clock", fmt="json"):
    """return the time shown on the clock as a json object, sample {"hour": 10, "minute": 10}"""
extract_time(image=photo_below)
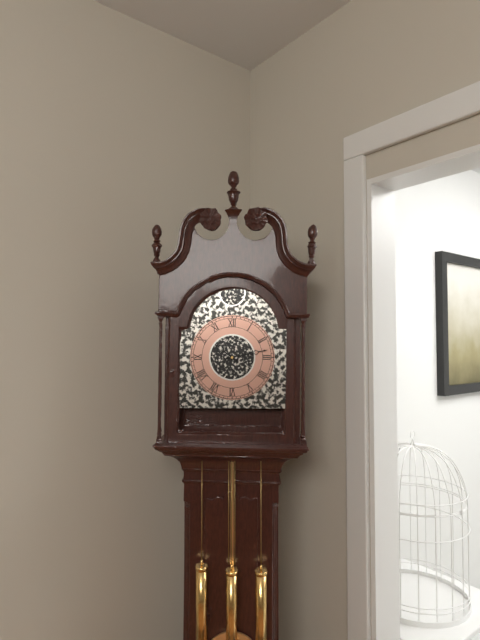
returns {"hour": 10, "minute": 13}
